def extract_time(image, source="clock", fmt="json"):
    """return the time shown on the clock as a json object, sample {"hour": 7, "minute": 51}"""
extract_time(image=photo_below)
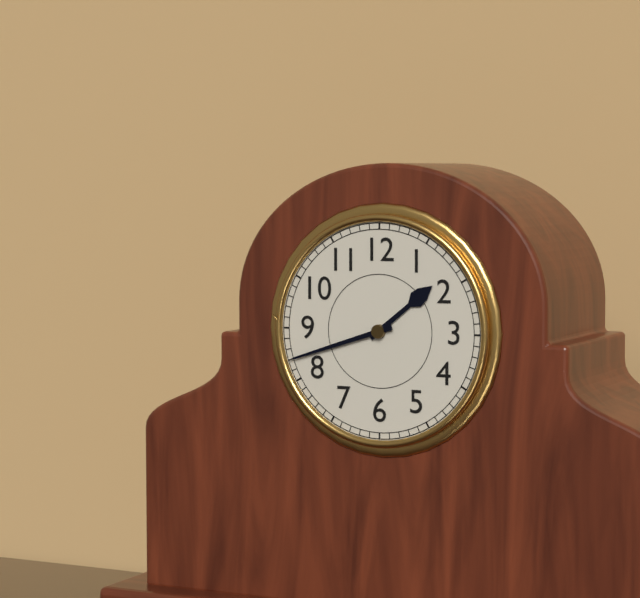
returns {"hour": 1, "minute": 42}
